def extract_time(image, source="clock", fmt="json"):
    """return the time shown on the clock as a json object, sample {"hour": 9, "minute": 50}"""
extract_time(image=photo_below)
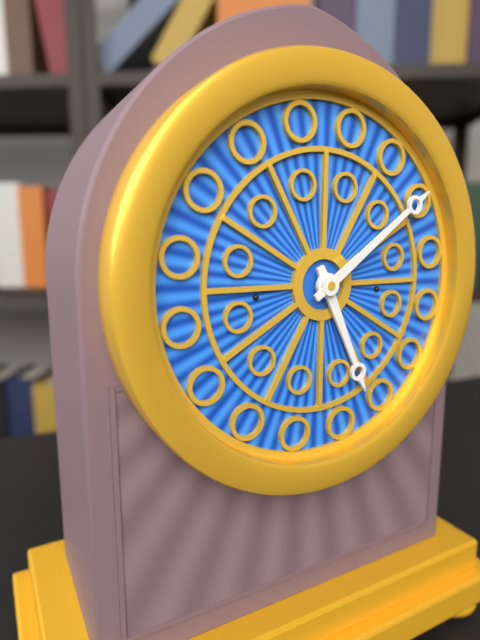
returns {"hour": 5, "minute": 9}
